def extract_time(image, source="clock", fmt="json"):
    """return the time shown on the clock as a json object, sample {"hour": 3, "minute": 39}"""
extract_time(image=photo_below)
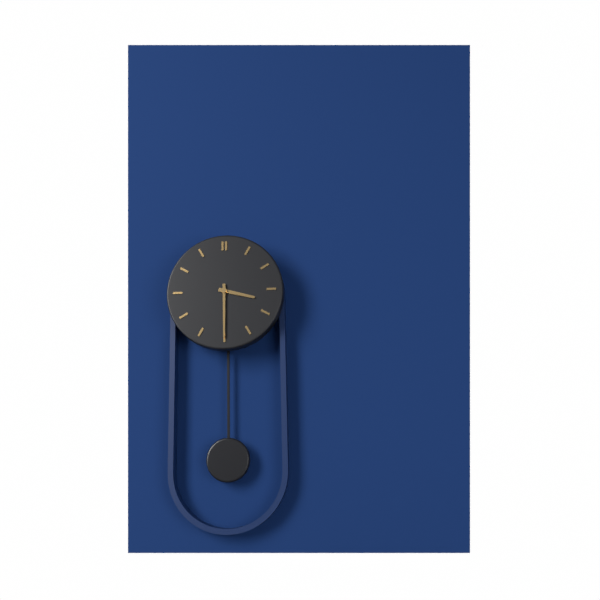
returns {"hour": 3, "minute": 30}
